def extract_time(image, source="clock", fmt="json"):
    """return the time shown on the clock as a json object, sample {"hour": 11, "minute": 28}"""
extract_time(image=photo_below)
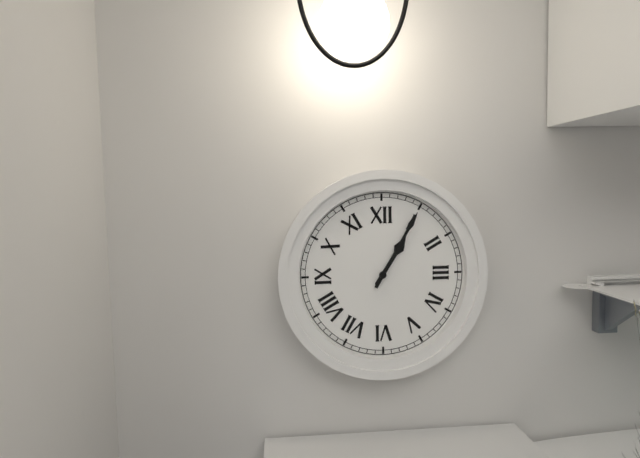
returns {"hour": 1, "minute": 5}
